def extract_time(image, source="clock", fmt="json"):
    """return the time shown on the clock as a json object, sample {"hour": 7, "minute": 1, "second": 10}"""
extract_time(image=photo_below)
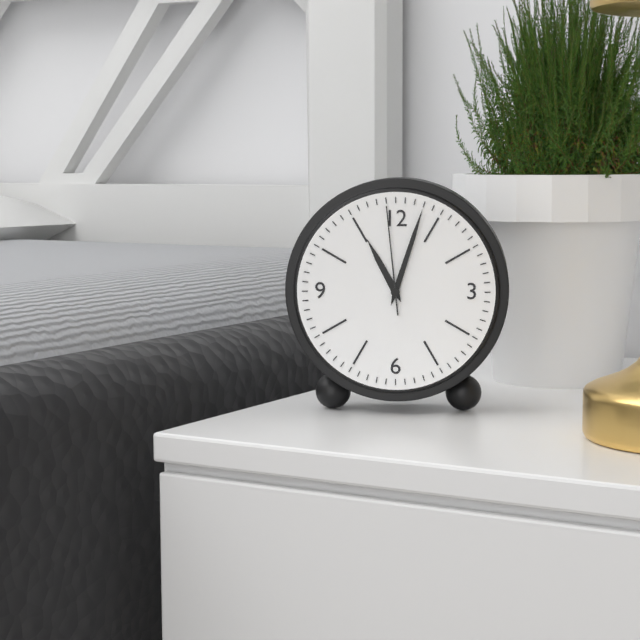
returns {"hour": 11, "minute": 3, "second": 59}
